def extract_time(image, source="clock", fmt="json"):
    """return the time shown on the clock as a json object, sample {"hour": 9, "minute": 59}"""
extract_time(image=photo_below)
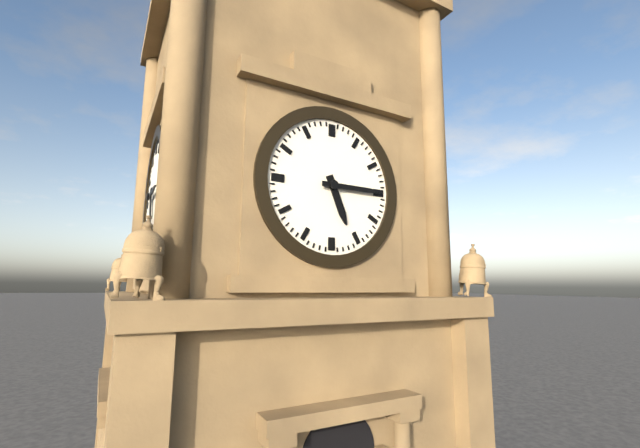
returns {"hour": 5, "minute": 15}
